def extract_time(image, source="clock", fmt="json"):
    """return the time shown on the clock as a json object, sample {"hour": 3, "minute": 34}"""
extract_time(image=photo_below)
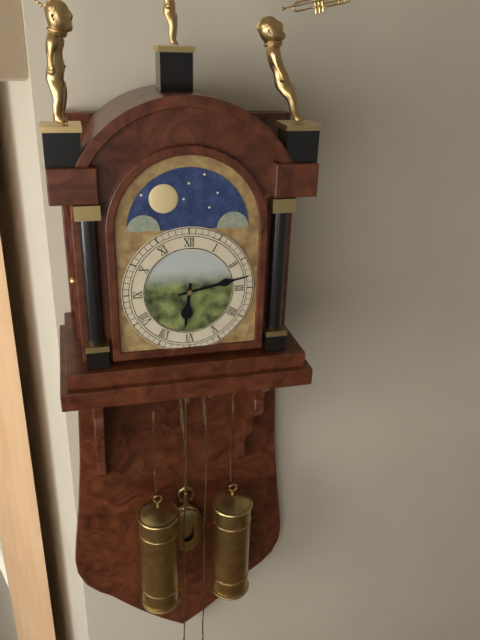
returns {"hour": 6, "minute": 13}
